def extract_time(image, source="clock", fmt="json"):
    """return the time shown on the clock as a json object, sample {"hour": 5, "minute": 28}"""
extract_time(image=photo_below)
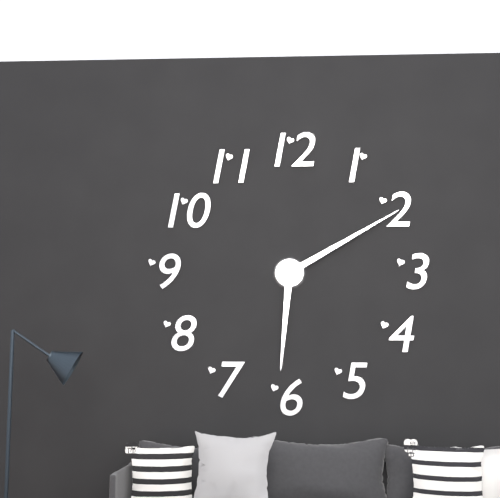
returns {"hour": 6, "minute": 10}
